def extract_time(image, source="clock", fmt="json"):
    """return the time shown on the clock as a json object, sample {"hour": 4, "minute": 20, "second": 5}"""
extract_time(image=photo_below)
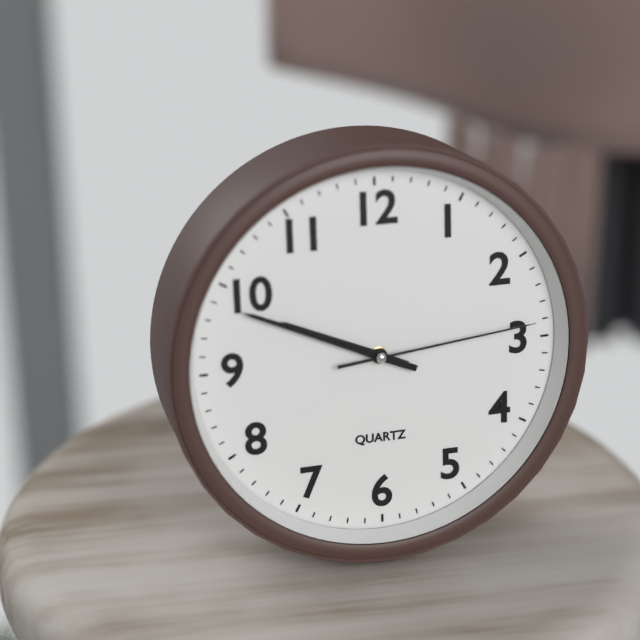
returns {"hour": 9, "minute": 49, "second": 14}
